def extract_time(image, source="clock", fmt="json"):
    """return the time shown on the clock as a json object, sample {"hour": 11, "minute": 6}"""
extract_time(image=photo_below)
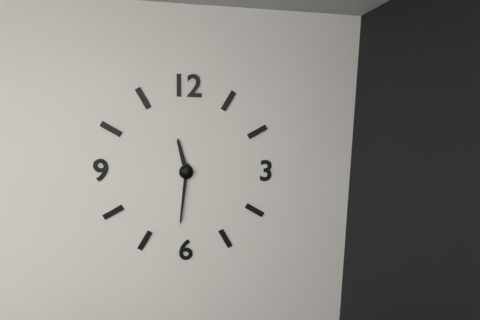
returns {"hour": 11, "minute": 31}
